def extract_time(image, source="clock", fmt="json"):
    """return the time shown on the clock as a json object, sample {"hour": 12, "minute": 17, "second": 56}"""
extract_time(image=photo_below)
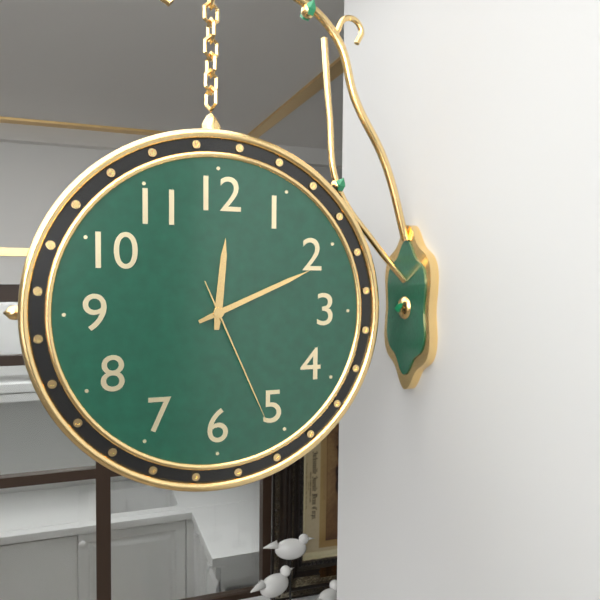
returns {"hour": 12, "minute": 11, "second": 26}
